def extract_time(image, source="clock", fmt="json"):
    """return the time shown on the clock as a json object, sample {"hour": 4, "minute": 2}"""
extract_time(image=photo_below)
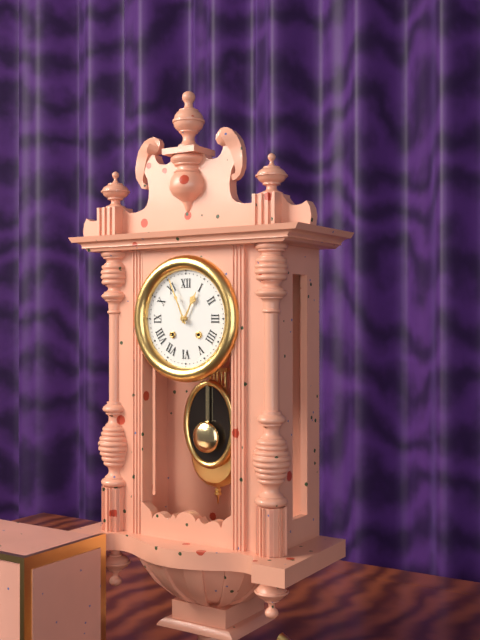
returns {"hour": 12, "minute": 56}
